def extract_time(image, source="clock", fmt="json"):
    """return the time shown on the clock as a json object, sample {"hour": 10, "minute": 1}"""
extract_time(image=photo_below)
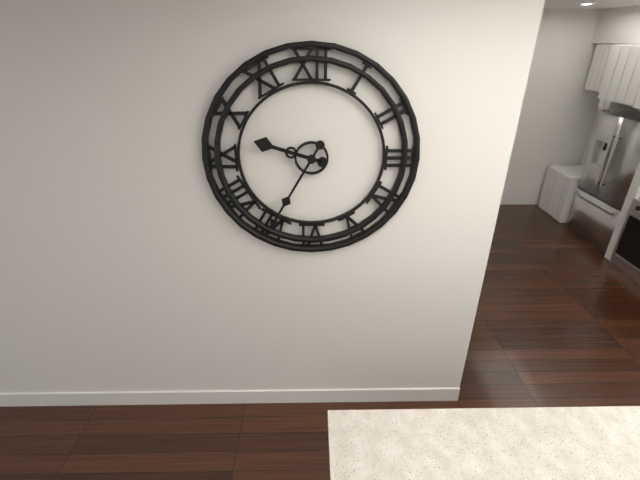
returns {"hour": 9, "minute": 35}
